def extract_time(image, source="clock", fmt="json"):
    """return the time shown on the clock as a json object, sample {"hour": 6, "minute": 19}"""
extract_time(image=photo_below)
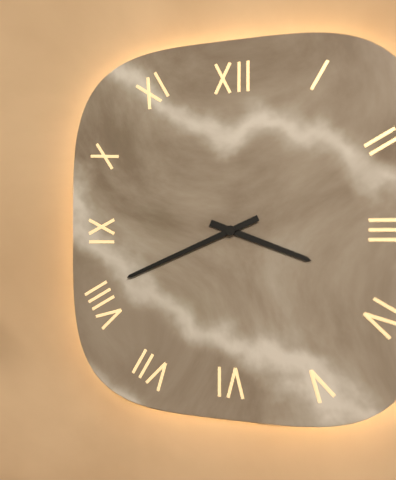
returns {"hour": 3, "minute": 41}
